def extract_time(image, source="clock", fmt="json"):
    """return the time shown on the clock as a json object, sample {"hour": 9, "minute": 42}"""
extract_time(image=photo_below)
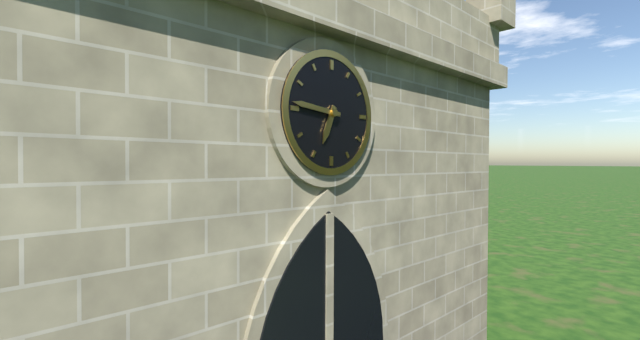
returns {"hour": 6, "minute": 46}
